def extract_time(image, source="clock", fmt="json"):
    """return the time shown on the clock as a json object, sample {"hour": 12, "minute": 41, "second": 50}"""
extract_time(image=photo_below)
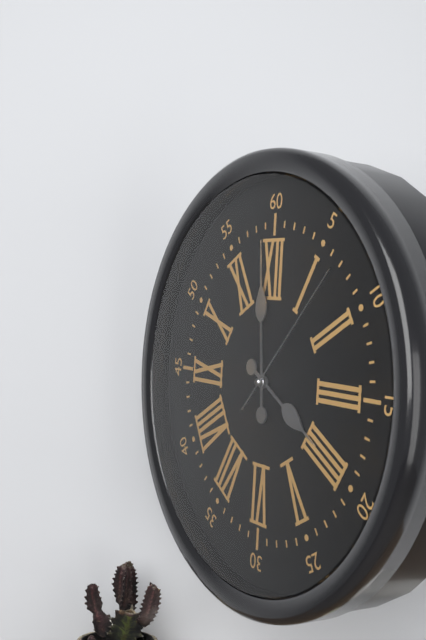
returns {"hour": 3, "minute": 59, "second": 7}
